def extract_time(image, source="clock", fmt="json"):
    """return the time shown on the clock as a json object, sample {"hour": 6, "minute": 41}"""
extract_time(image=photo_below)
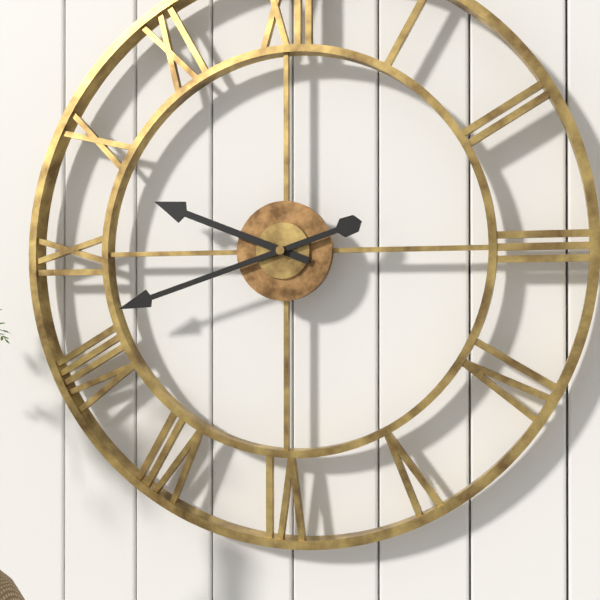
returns {"hour": 9, "minute": 42}
